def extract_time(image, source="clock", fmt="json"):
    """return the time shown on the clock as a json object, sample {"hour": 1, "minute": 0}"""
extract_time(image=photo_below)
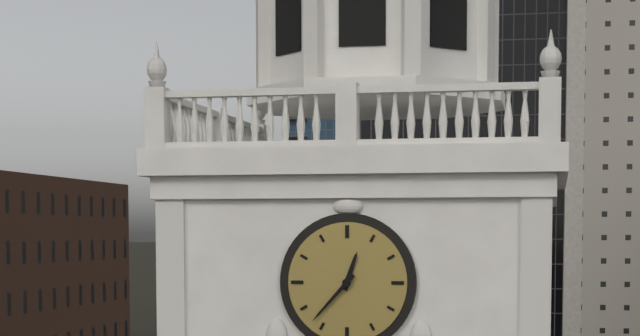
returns {"hour": 12, "minute": 37}
